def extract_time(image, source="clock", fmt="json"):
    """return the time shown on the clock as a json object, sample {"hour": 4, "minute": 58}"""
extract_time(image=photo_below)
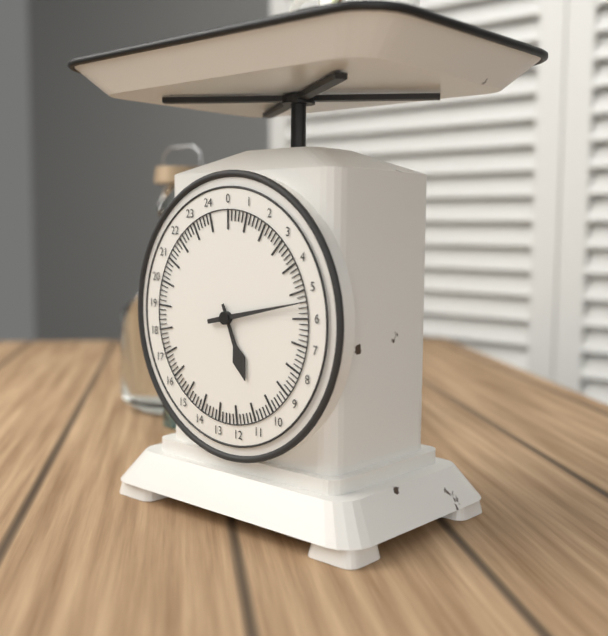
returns {"hour": 5, "minute": 13}
